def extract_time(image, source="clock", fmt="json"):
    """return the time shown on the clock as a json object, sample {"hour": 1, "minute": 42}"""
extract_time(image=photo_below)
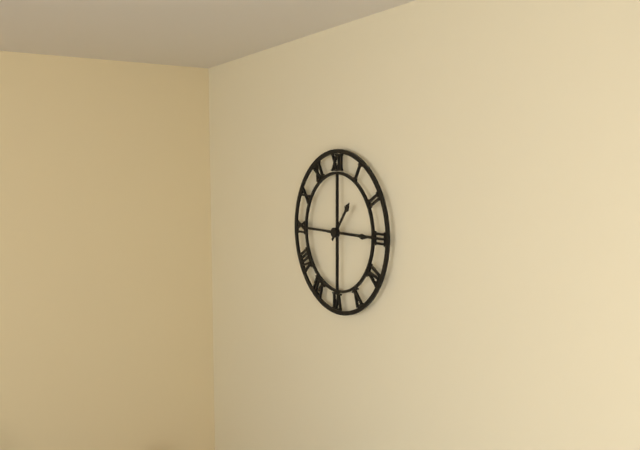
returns {"hour": 1, "minute": 15}
